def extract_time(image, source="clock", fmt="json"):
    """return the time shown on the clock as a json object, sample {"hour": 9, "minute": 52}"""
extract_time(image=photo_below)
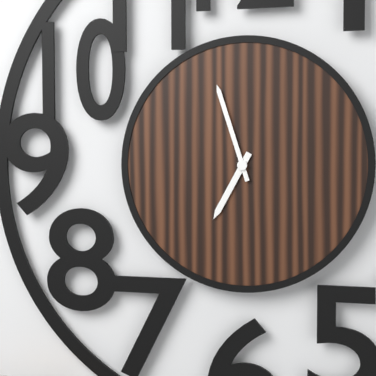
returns {"hour": 6, "minute": 57}
